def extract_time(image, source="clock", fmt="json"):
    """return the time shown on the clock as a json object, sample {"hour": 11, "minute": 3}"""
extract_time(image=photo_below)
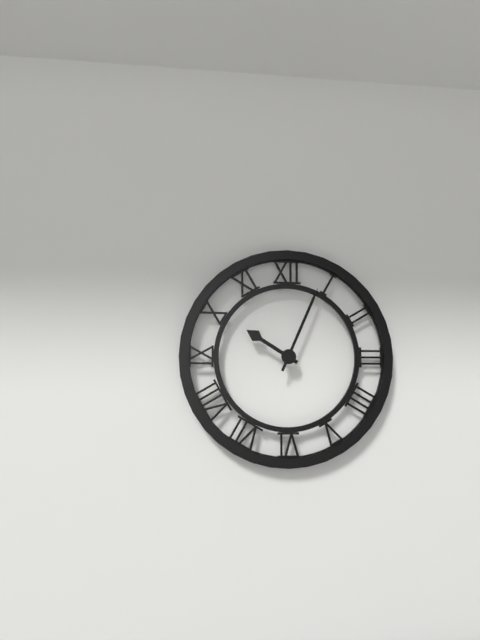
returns {"hour": 10, "minute": 4}
